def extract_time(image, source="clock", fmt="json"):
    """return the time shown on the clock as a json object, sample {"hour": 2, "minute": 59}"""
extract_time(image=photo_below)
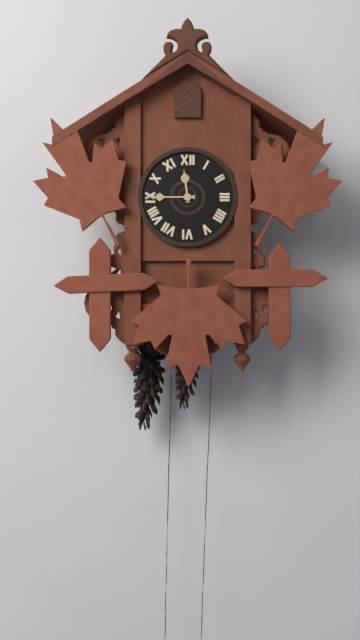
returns {"hour": 11, "minute": 45}
